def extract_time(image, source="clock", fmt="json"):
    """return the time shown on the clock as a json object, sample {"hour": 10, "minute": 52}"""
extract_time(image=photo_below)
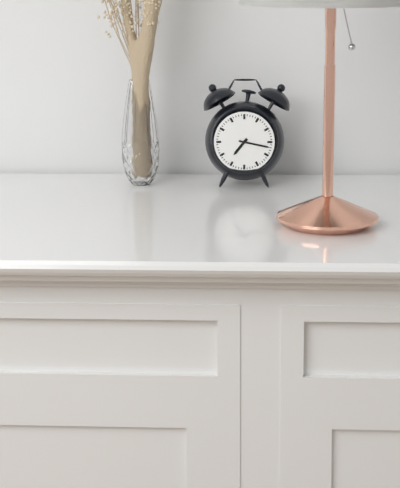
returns {"hour": 7, "minute": 17}
